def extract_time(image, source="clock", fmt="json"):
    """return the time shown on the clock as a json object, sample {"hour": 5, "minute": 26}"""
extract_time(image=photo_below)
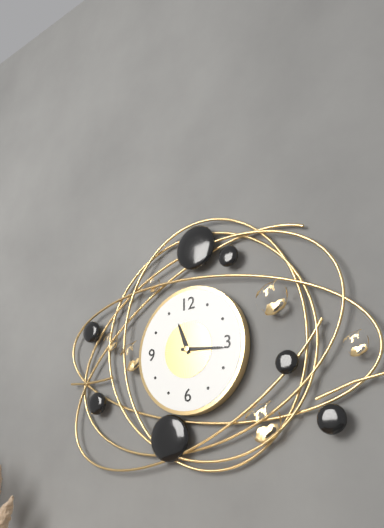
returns {"hour": 11, "minute": 16}
